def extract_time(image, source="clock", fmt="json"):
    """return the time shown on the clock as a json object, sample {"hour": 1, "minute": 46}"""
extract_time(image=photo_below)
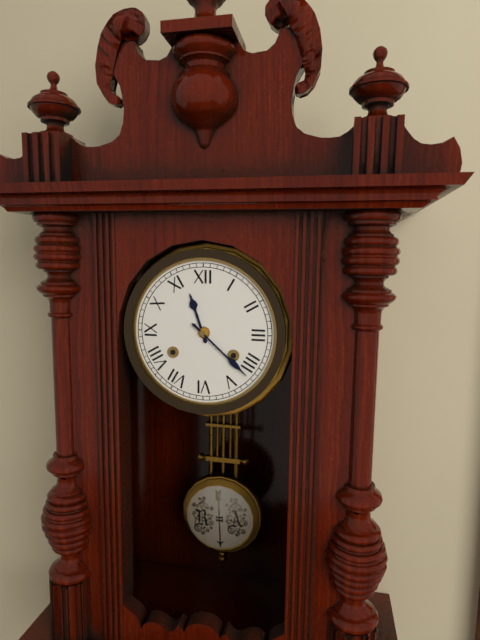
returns {"hour": 11, "minute": 22}
